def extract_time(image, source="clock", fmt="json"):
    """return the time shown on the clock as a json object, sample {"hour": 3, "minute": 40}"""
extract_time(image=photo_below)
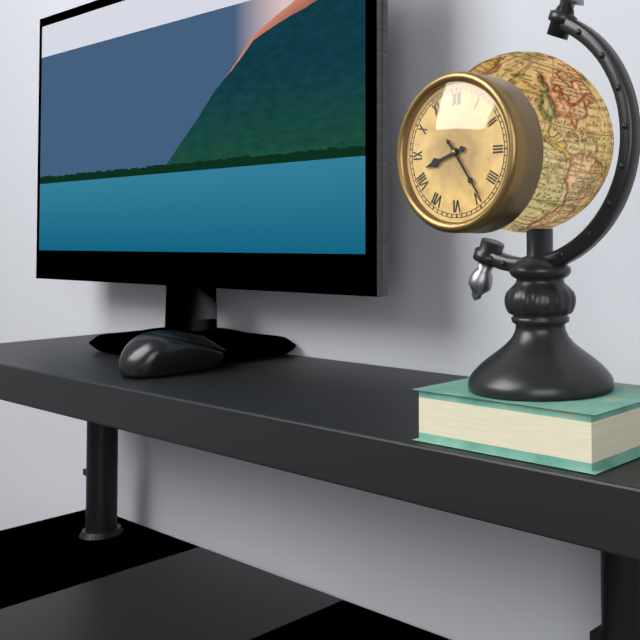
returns {"hour": 8, "minute": 24}
